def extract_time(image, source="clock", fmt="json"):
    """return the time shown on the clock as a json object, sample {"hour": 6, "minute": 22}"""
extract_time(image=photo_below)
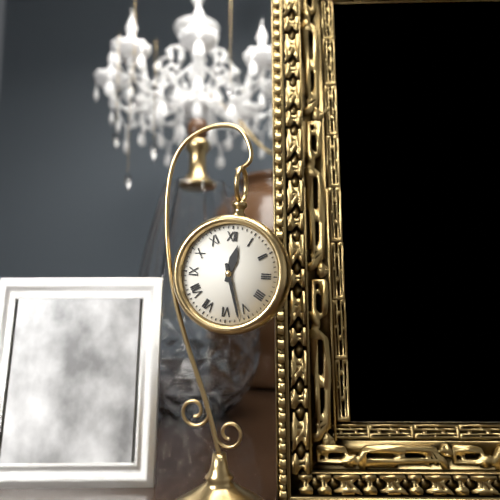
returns {"hour": 12, "minute": 27}
